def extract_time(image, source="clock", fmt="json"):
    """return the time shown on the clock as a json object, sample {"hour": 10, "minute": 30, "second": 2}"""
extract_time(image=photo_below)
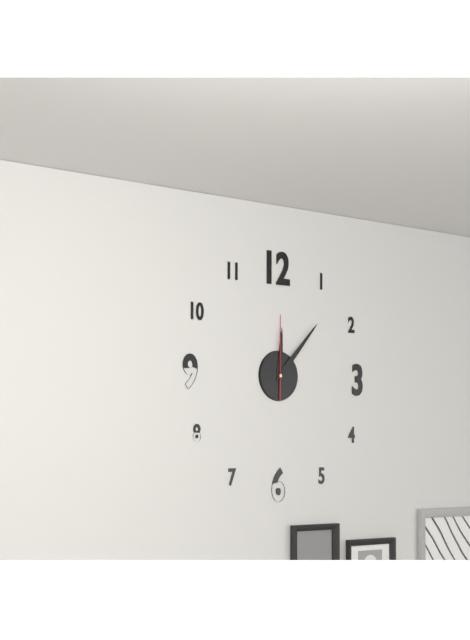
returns {"hour": 12, "minute": 7, "second": 0}
